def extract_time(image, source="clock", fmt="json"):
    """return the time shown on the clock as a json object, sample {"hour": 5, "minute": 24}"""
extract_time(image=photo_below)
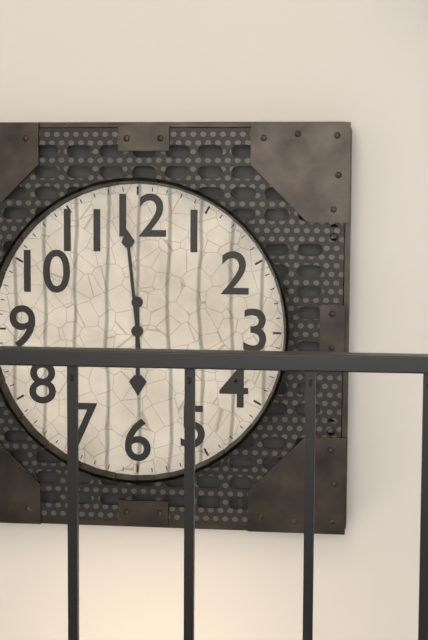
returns {"hour": 5, "minute": 59}
